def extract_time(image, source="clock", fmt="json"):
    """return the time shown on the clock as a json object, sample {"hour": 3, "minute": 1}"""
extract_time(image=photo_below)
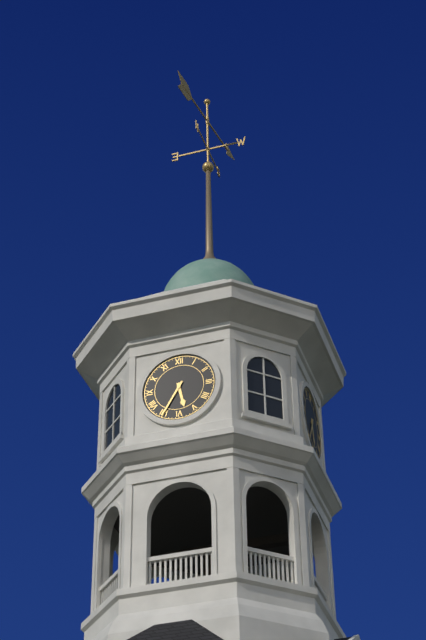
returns {"hour": 5, "minute": 35}
